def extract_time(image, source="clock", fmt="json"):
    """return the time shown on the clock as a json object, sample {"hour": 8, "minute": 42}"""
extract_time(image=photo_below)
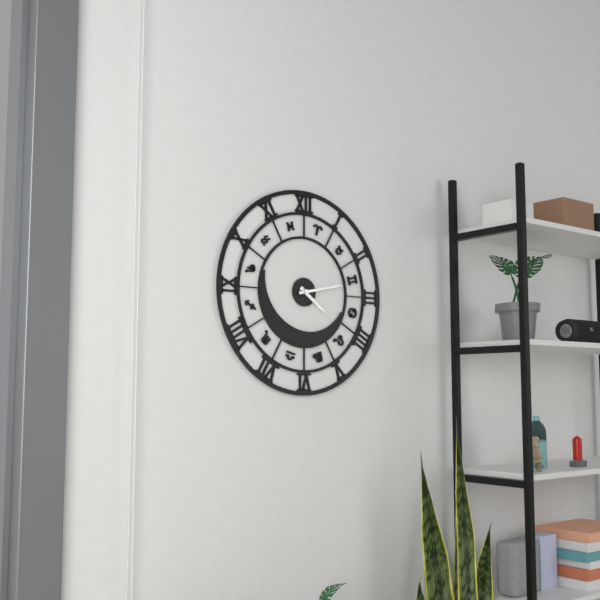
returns {"hour": 4, "minute": 13}
